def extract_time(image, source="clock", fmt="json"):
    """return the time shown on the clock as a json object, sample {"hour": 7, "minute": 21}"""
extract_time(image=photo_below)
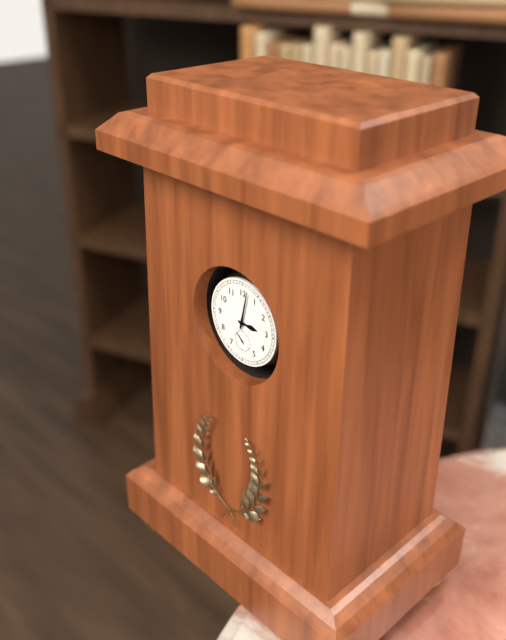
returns {"hour": 3, "minute": 2}
